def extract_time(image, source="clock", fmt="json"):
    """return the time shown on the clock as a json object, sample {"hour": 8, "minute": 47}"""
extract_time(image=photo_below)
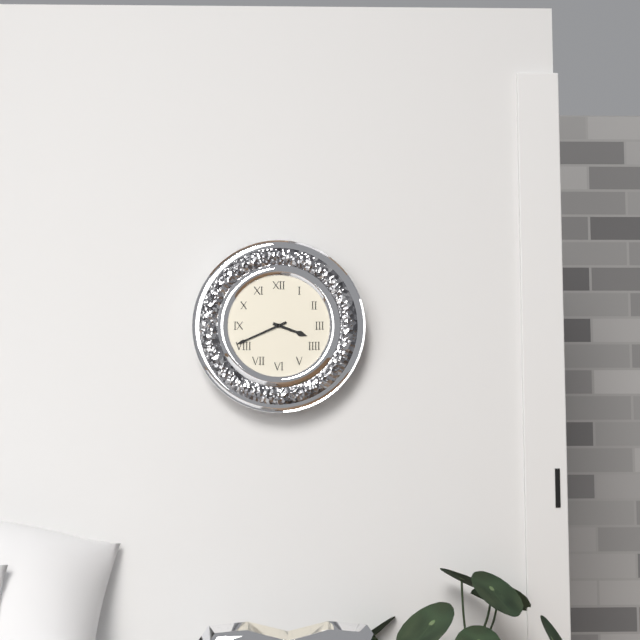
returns {"hour": 3, "minute": 41}
